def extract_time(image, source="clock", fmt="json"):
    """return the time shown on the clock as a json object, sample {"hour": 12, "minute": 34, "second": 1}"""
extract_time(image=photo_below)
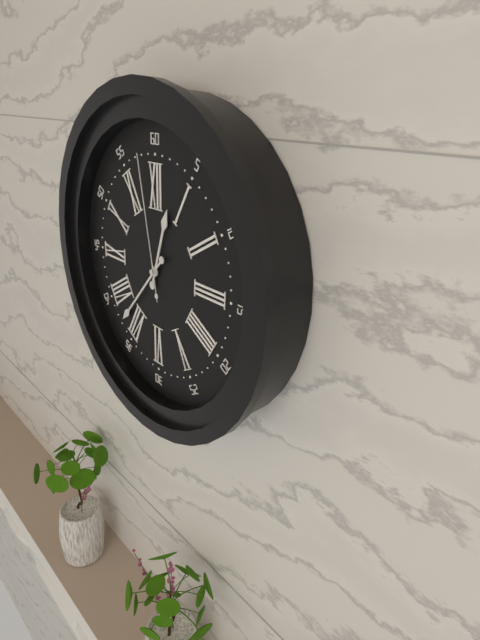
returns {"hour": 12, "minute": 37, "second": 58}
